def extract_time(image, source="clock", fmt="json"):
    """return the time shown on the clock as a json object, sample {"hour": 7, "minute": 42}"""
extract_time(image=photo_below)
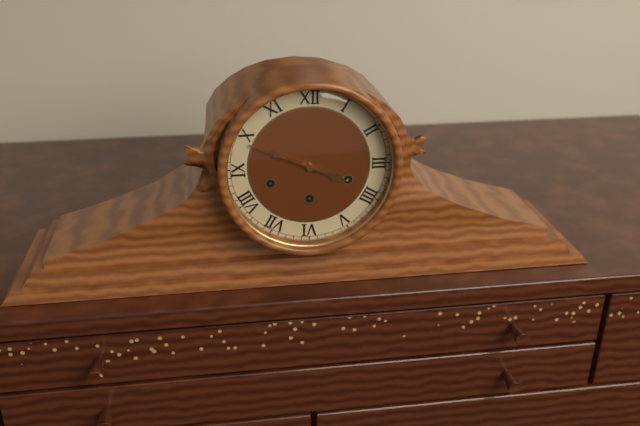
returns {"hour": 3, "minute": 49}
